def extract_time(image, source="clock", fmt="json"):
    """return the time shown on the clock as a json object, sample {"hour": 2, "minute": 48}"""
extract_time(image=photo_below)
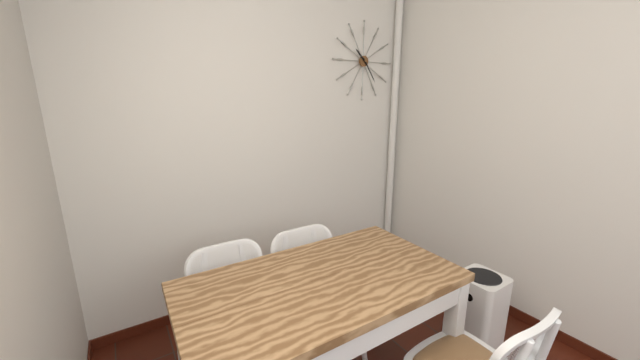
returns {"hour": 10, "minute": 24}
